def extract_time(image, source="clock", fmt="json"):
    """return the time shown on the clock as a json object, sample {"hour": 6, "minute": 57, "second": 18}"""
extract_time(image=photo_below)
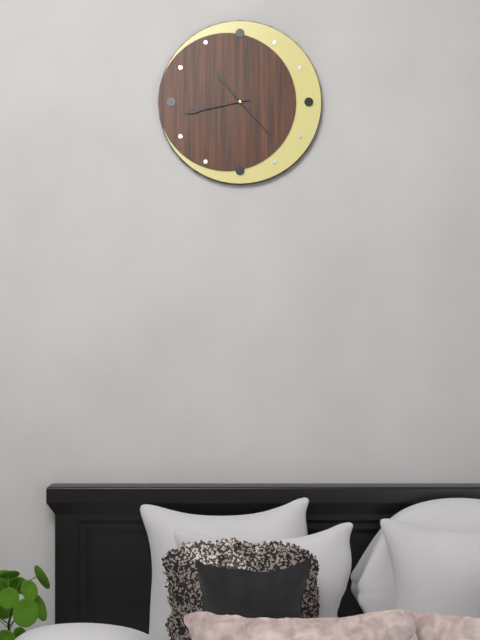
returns {"hour": 10, "minute": 43, "second": 23}
